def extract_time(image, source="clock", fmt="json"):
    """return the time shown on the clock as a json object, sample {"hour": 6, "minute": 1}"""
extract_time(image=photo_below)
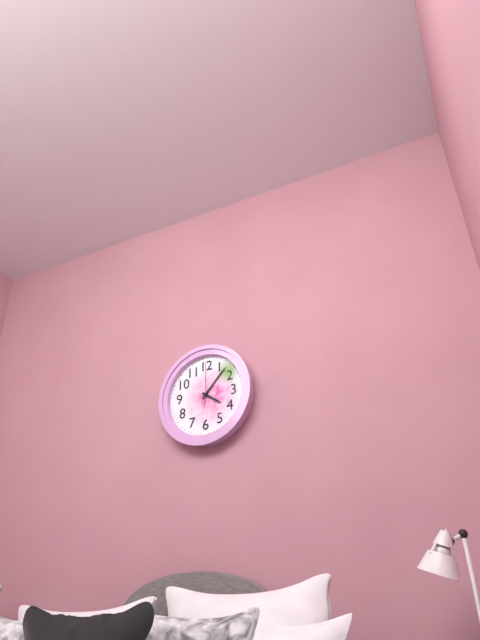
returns {"hour": 4, "minute": 7}
